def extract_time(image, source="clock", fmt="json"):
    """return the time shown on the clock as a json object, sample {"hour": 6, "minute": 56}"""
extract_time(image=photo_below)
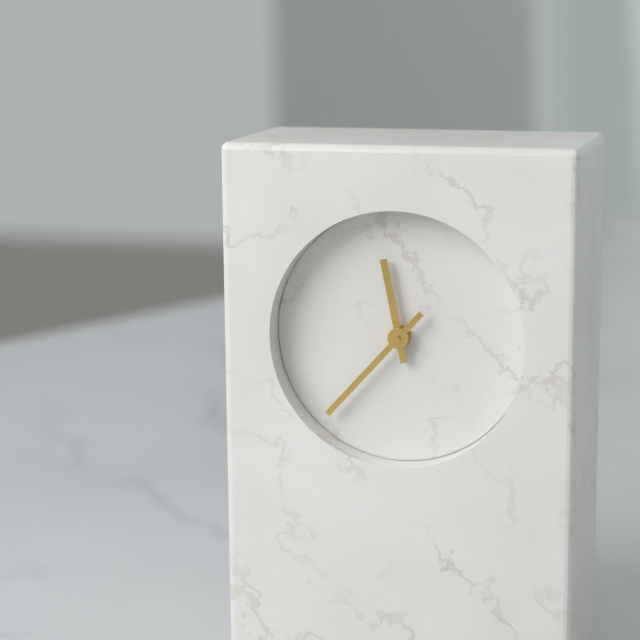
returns {"hour": 11, "minute": 37}
